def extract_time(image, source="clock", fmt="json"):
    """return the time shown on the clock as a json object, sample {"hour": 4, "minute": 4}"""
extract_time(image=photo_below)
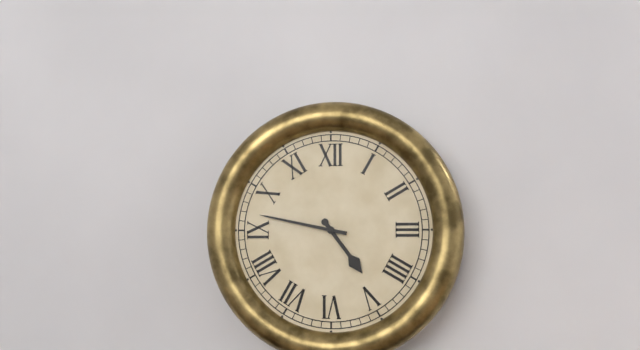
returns {"hour": 4, "minute": 47}
